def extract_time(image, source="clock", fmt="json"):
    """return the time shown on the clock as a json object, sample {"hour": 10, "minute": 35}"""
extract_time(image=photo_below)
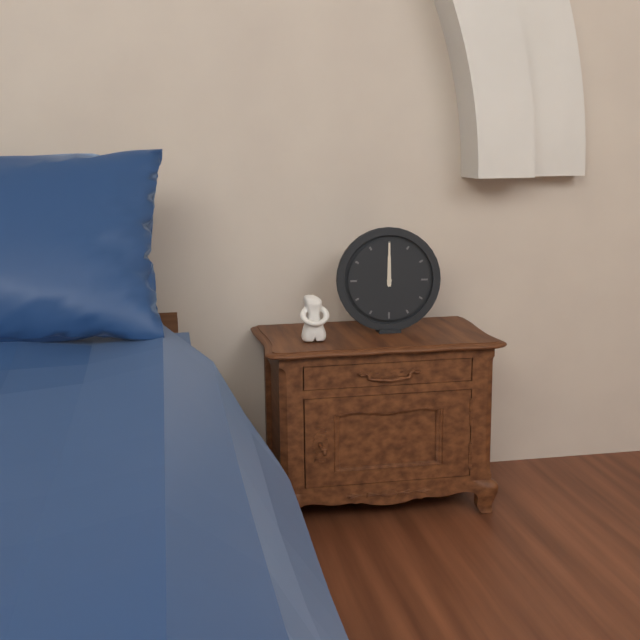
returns {"hour": 12, "minute": 0}
